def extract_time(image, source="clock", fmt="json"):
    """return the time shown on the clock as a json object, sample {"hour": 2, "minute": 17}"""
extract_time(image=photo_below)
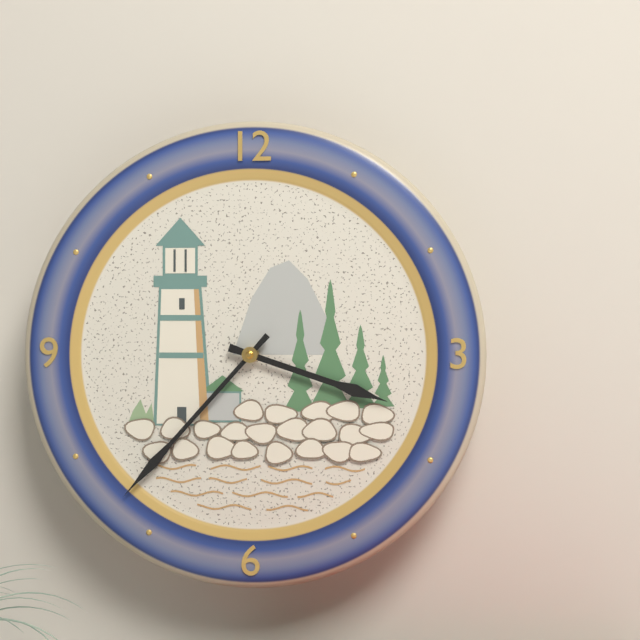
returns {"hour": 3, "minute": 37}
